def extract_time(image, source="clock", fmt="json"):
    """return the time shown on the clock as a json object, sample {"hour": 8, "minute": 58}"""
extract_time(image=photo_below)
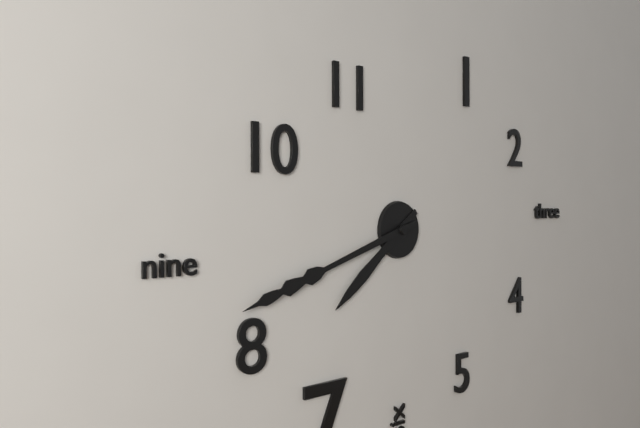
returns {"hour": 7, "minute": 42}
